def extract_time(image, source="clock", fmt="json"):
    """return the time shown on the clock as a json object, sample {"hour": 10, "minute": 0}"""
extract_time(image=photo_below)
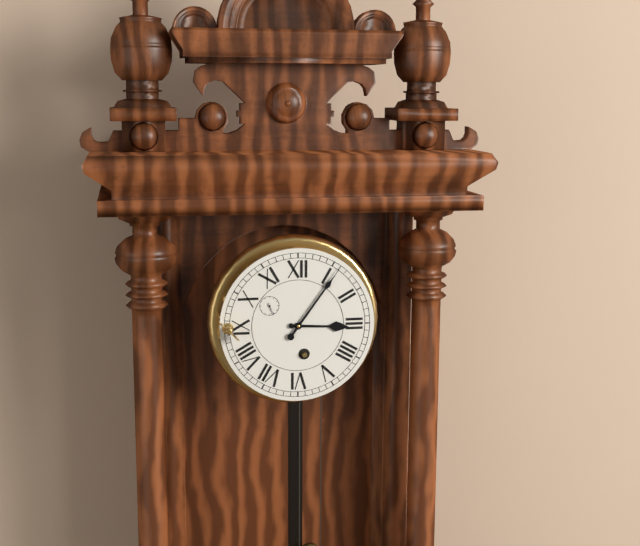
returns {"hour": 3, "minute": 6}
